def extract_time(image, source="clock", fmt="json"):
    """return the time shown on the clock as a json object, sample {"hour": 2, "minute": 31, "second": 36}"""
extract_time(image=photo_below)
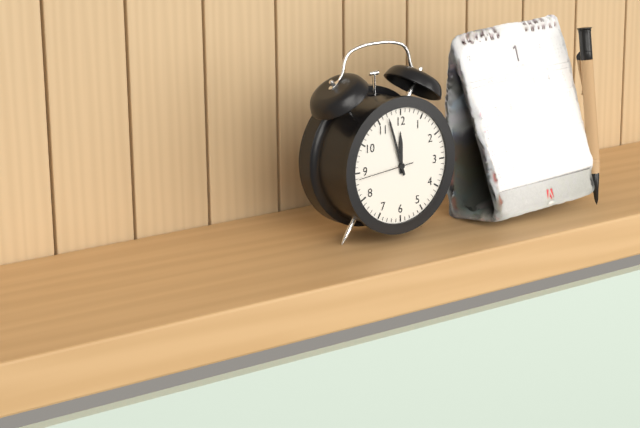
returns {"hour": 11, "minute": 57, "second": 44}
